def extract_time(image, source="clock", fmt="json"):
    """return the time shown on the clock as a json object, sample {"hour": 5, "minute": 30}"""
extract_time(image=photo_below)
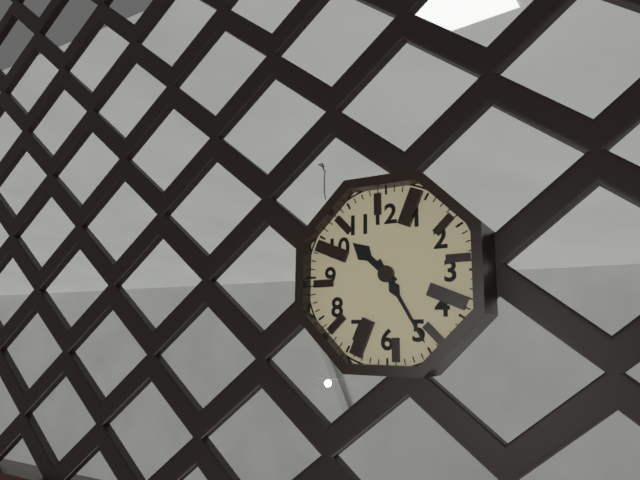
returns {"hour": 10, "minute": 25}
